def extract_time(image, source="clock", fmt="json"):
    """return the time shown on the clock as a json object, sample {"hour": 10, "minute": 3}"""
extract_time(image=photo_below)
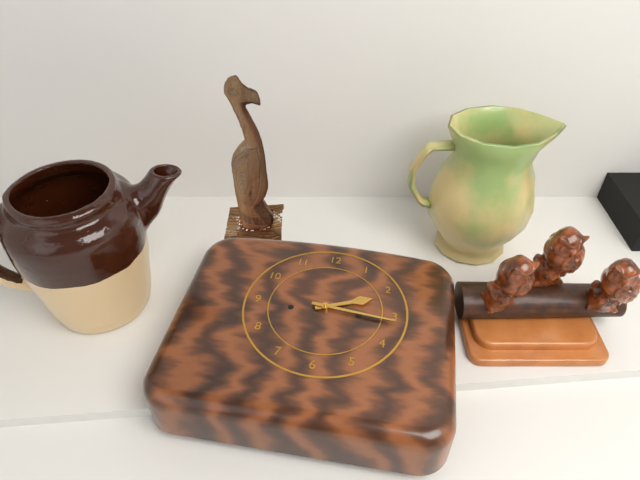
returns {"hour": 2, "minute": 16}
